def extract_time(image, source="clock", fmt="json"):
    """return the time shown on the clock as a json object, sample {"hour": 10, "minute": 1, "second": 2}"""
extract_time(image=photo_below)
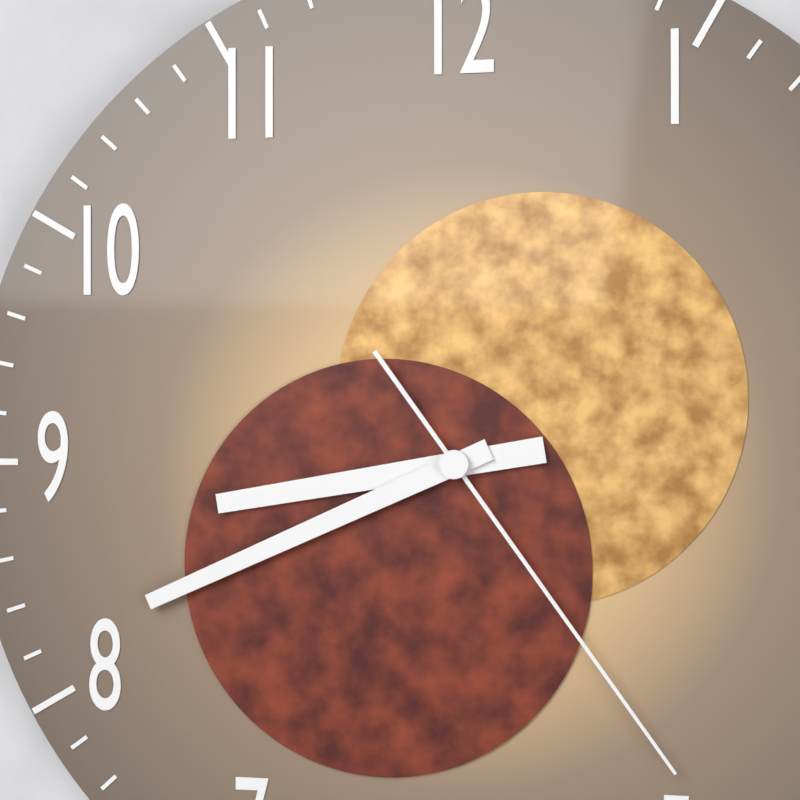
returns {"hour": 8, "minute": 41, "second": 24}
